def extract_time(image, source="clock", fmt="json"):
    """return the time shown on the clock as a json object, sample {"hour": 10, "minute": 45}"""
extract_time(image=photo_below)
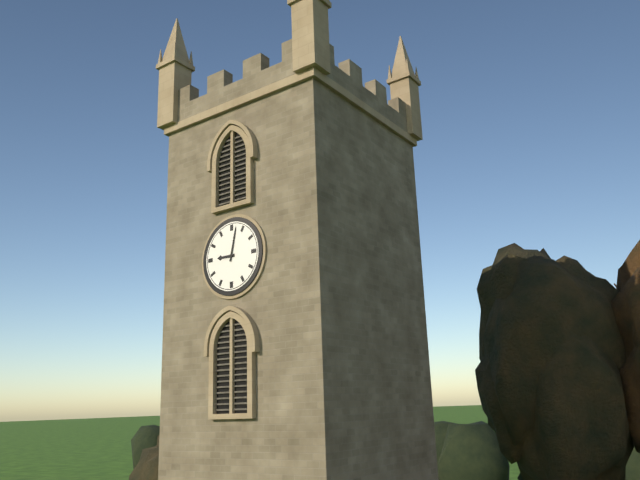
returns {"hour": 9, "minute": 2}
